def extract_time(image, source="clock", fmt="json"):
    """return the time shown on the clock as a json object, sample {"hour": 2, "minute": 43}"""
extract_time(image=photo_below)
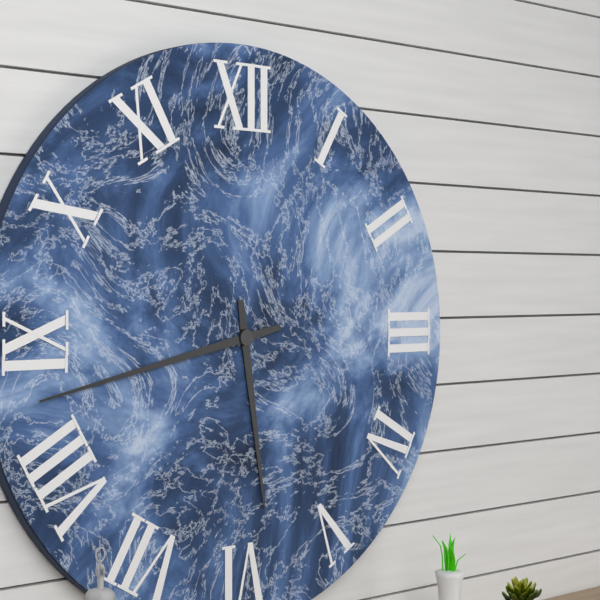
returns {"hour": 5, "minute": 43}
